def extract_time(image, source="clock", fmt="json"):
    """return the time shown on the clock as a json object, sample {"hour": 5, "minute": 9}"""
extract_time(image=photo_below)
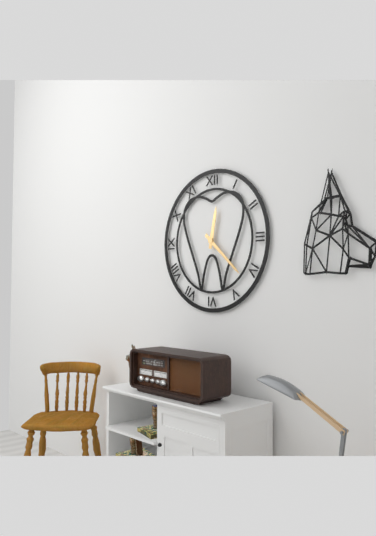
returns {"hour": 12, "minute": 22}
